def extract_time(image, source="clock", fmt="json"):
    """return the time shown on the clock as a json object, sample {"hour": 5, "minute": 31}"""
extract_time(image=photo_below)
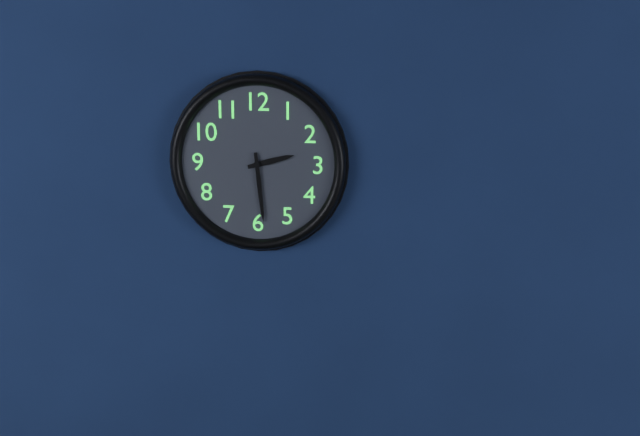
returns {"hour": 2, "minute": 29}
